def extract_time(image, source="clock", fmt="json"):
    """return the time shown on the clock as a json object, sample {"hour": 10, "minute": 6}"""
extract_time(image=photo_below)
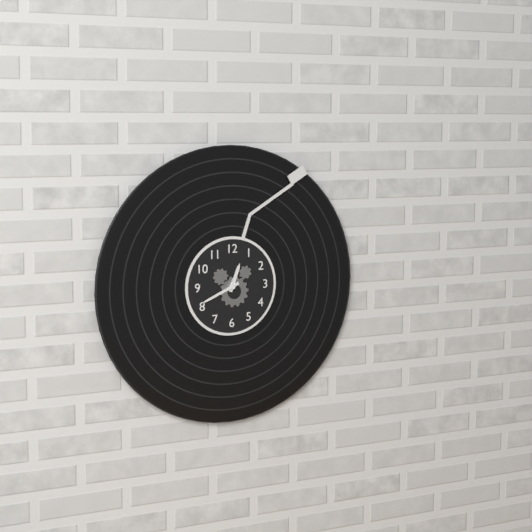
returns {"hour": 12, "minute": 41}
